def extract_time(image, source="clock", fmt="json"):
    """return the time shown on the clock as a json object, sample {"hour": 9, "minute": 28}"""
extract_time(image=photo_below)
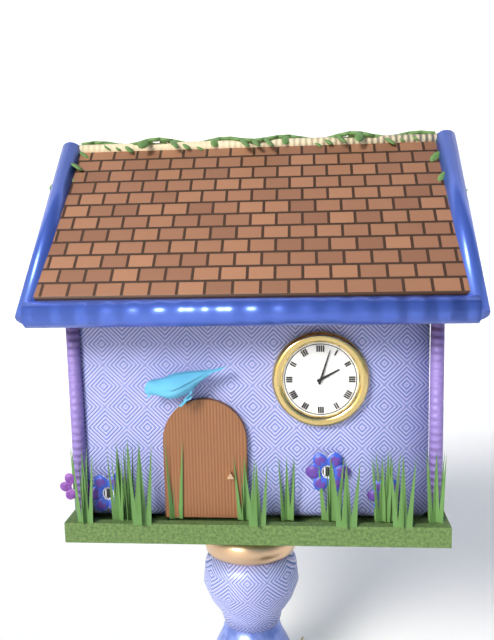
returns {"hour": 2, "minute": 3}
